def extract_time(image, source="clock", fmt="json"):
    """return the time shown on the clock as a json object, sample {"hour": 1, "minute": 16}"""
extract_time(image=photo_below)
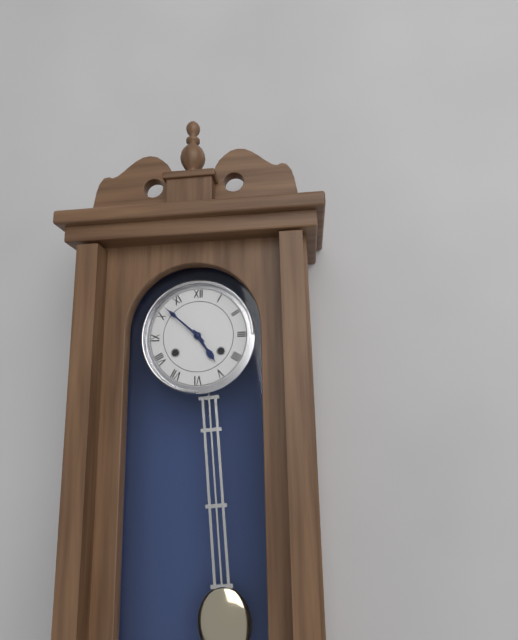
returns {"hour": 4, "minute": 52}
